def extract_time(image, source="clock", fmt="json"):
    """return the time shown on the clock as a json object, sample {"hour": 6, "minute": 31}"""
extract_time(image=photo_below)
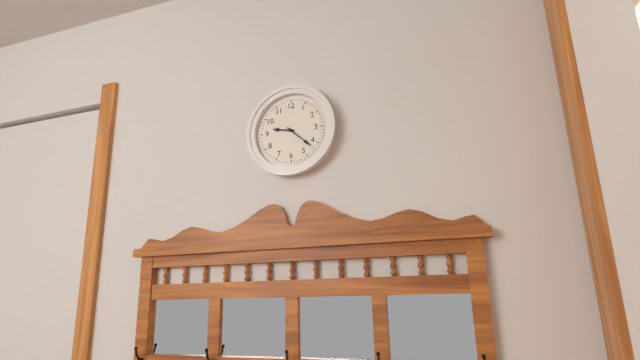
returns {"hour": 9, "minute": 22}
